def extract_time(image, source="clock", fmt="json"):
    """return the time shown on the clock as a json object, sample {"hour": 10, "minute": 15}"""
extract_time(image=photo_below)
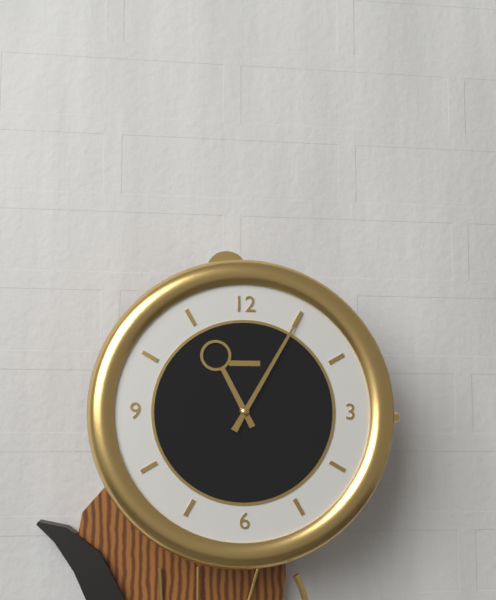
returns {"hour": 11, "minute": 5}
